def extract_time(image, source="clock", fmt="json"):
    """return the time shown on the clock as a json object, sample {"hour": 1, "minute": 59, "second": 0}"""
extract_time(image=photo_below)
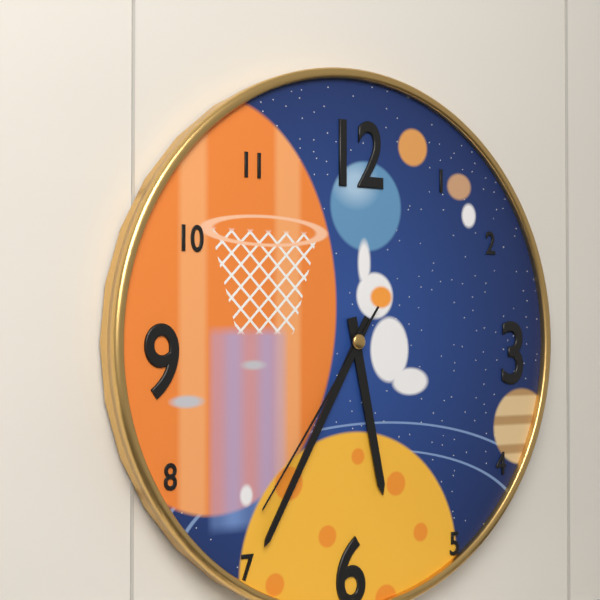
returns {"hour": 5, "minute": 35, "second": 36}
